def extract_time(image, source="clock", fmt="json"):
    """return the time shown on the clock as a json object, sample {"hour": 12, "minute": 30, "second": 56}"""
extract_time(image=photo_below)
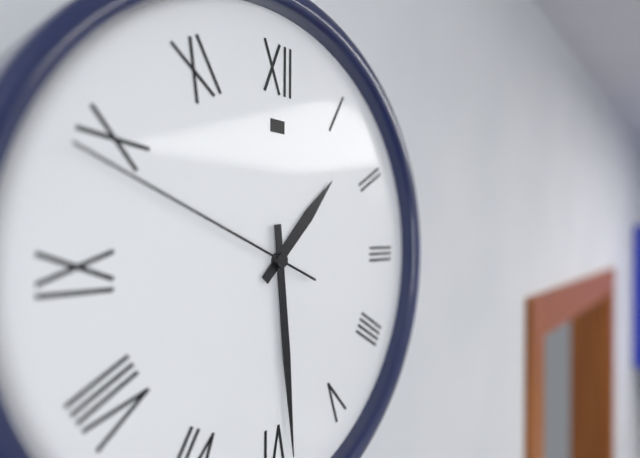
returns {"hour": 1, "minute": 29, "second": 49}
